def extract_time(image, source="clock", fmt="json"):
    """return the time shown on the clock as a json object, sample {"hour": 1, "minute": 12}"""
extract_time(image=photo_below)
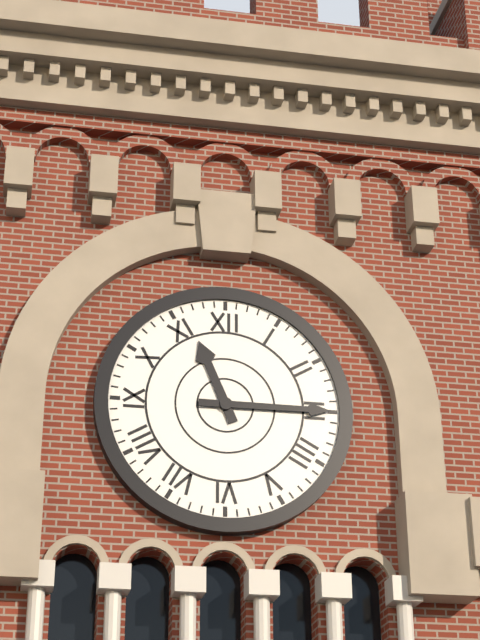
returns {"hour": 11, "minute": 15}
